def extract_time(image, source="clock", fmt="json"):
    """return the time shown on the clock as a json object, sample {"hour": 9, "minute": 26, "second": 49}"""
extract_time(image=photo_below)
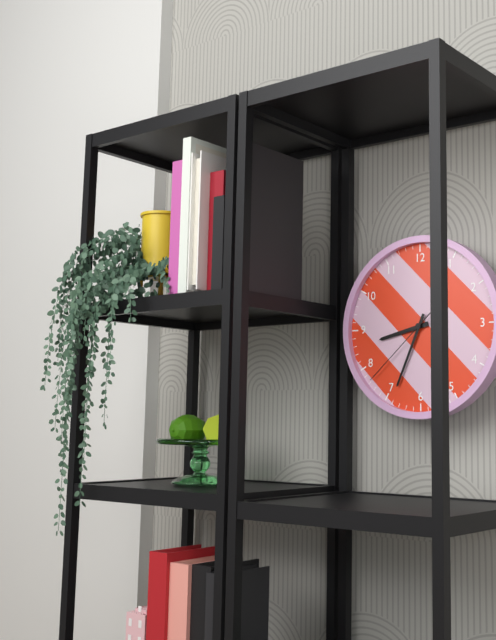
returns {"hour": 8, "minute": 34, "second": 38}
